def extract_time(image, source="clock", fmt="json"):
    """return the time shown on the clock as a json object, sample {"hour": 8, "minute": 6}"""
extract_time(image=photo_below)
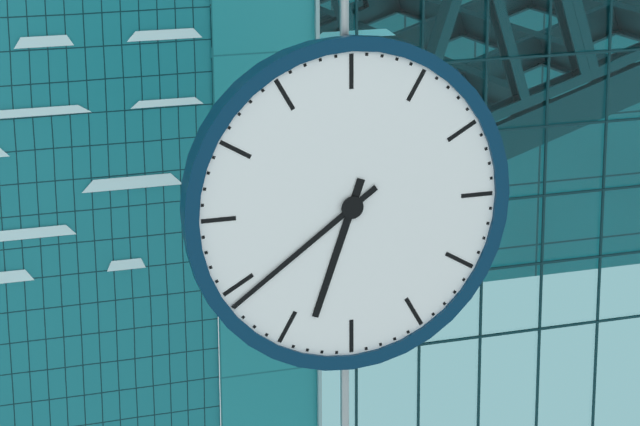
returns {"hour": 6, "minute": 39}
